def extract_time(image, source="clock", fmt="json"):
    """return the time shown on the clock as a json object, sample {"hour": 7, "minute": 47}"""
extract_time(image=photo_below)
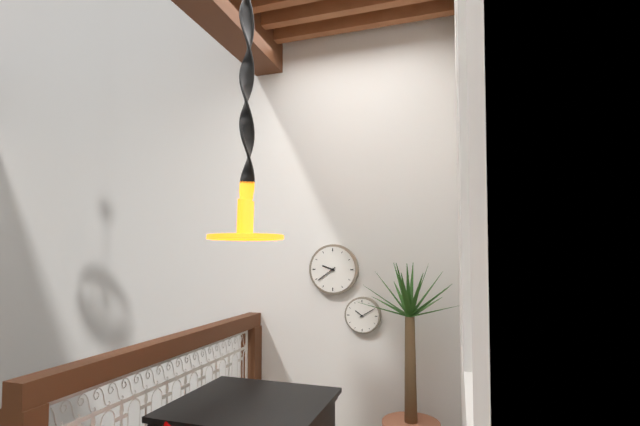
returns {"hour": 9, "minute": 39}
